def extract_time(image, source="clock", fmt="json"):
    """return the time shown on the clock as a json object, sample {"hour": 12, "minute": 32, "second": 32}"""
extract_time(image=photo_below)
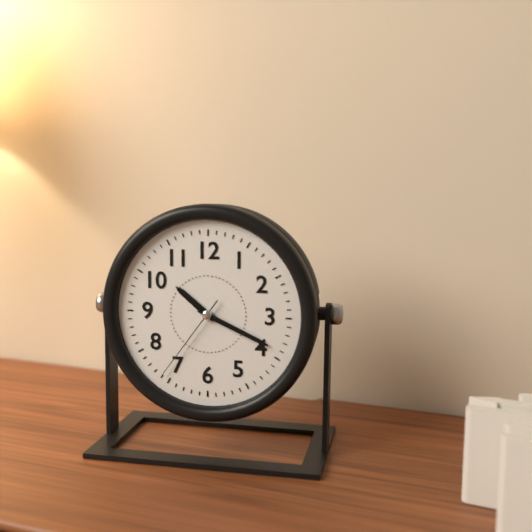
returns {"hour": 10, "minute": 19, "second": 36}
